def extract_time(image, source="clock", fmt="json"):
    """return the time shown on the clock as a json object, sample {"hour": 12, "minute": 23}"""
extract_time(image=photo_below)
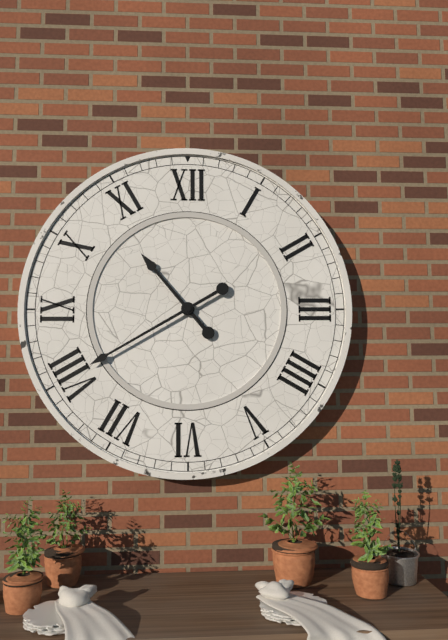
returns {"hour": 10, "minute": 40}
